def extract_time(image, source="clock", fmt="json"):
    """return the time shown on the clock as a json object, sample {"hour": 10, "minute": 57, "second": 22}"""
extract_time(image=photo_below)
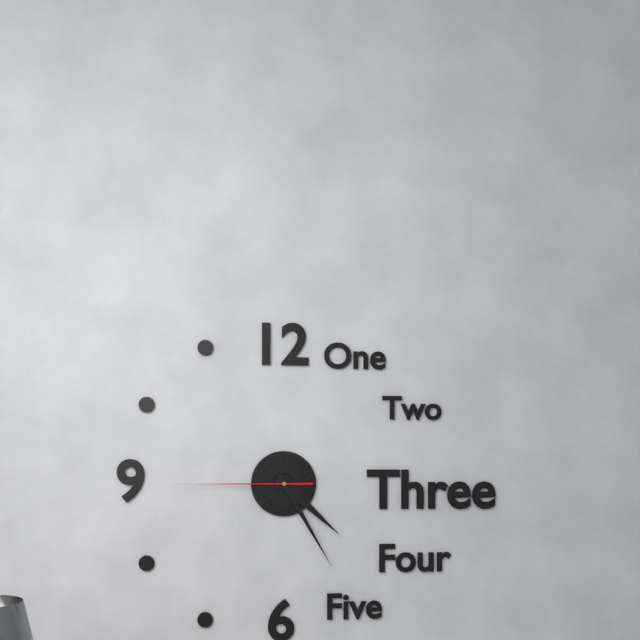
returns {"hour": 4, "minute": 25, "second": 45}
